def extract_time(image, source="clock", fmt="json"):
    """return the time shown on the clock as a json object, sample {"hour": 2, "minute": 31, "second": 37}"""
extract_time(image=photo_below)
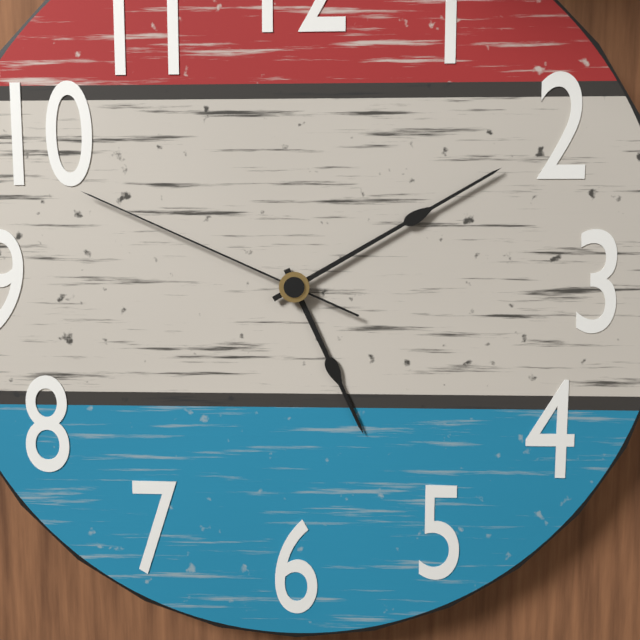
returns {"hour": 5, "minute": 10, "second": 49}
